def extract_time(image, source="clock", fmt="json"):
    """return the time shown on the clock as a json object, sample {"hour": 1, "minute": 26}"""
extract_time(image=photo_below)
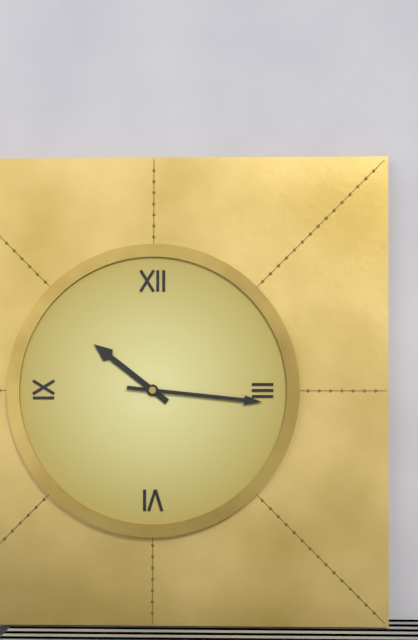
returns {"hour": 10, "minute": 16}
